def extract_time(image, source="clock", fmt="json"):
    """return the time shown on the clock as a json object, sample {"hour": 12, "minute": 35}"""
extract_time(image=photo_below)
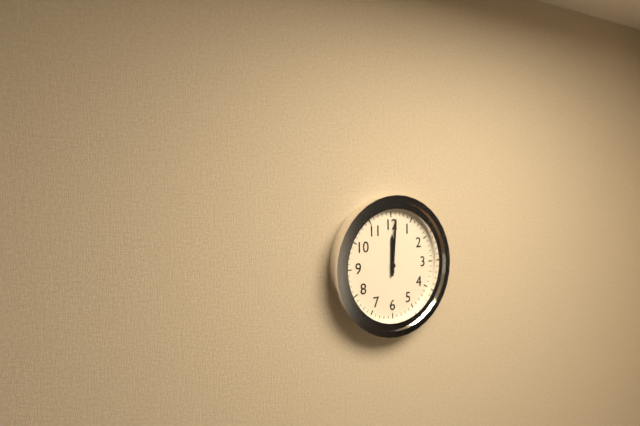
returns {"hour": 12, "minute": 1}
